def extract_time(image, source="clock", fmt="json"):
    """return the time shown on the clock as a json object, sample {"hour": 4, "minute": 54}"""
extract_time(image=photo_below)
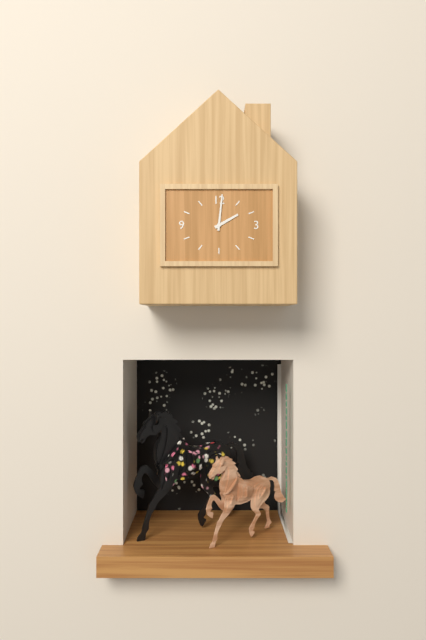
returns {"hour": 2, "minute": 1}
